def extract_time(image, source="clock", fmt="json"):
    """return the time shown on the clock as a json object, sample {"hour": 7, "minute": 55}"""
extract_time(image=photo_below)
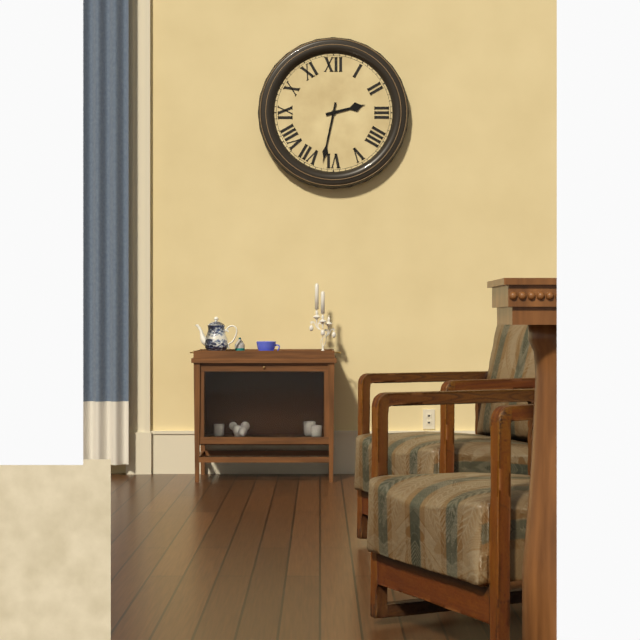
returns {"hour": 2, "minute": 32}
